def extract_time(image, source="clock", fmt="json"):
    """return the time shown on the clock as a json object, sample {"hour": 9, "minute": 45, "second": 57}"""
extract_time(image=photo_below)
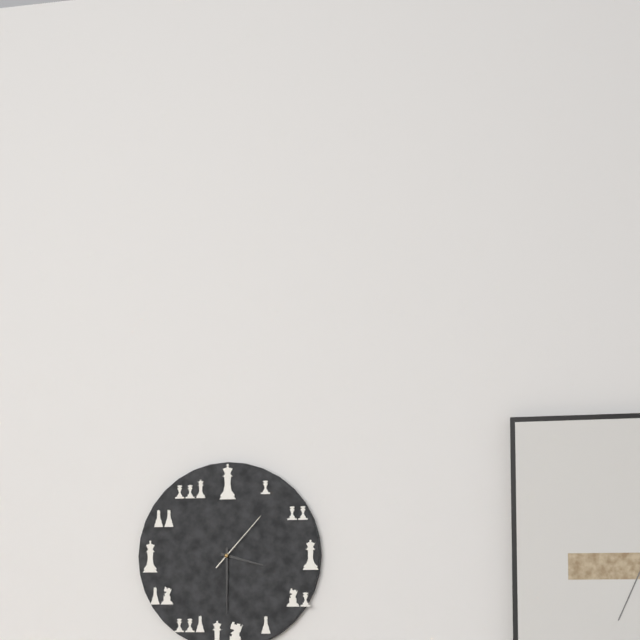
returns {"hour": 3, "minute": 30, "second": 7}
